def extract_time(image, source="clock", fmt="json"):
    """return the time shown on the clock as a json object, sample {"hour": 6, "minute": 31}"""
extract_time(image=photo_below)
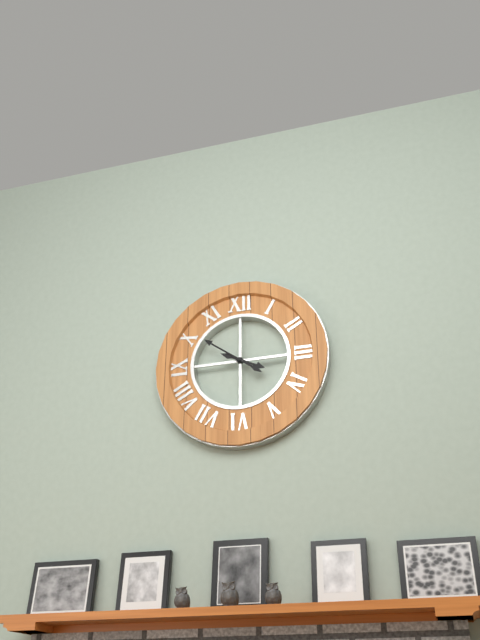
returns {"hour": 3, "minute": 51}
